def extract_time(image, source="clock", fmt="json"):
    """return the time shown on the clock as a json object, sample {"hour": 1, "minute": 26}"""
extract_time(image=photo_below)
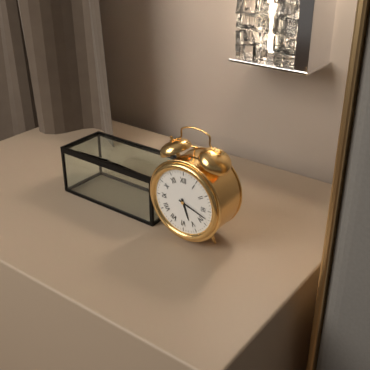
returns {"hour": 5, "minute": 18}
